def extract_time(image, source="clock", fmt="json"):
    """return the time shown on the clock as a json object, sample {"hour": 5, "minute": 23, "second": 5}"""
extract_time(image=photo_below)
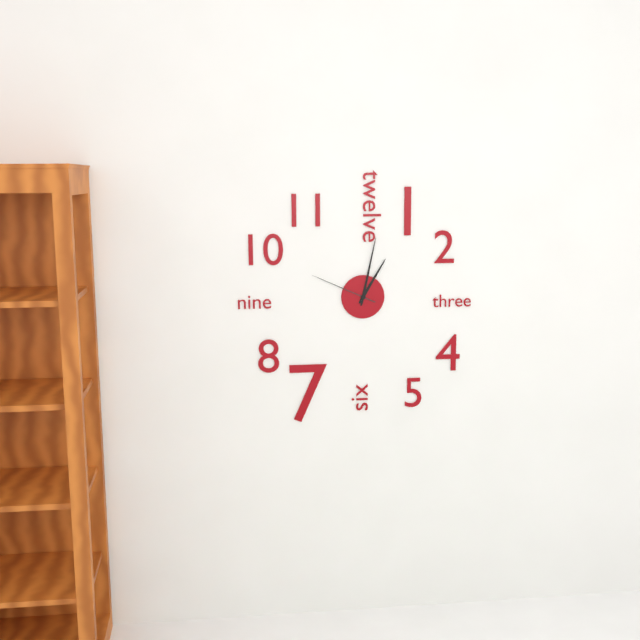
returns {"hour": 1, "minute": 2, "second": 49}
